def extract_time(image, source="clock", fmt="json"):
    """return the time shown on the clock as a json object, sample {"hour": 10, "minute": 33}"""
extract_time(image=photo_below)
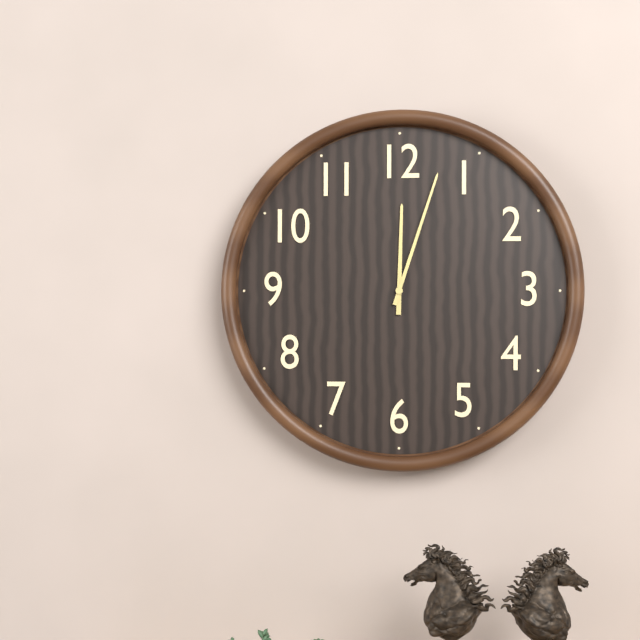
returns {"hour": 12, "minute": 3}
